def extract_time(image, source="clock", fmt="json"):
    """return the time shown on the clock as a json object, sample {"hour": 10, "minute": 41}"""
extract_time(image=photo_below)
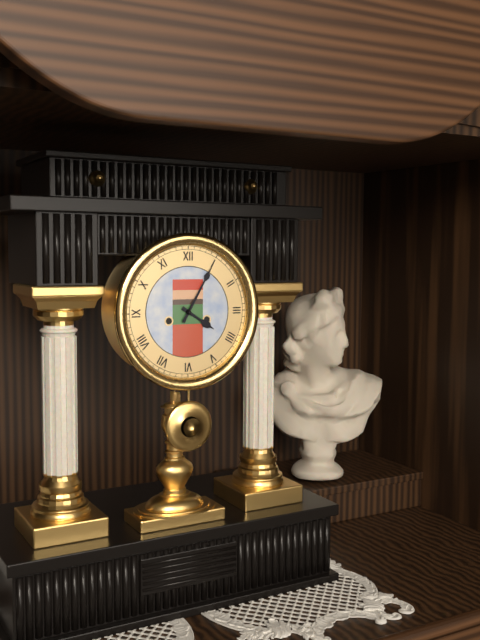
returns {"hour": 4, "minute": 5}
